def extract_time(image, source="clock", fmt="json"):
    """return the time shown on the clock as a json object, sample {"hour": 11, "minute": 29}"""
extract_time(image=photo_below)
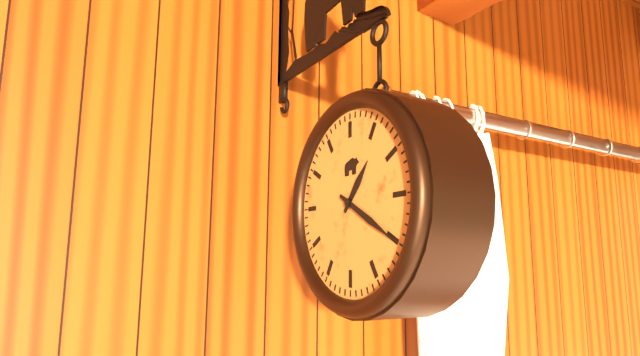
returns {"hour": 1, "minute": 20}
